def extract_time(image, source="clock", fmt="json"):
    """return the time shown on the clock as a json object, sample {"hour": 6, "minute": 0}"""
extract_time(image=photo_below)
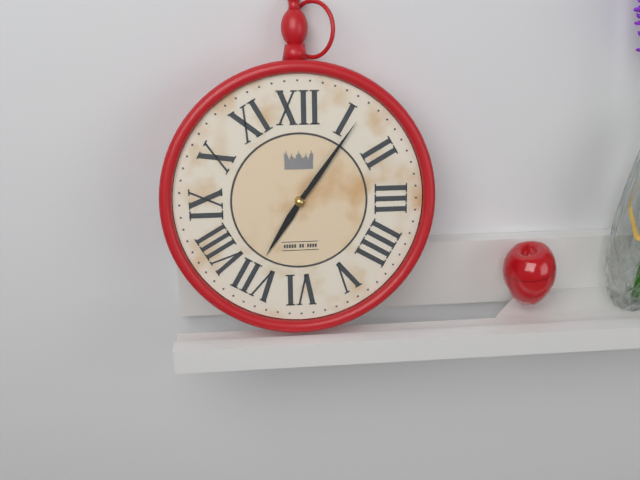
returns {"hour": 7, "minute": 6}
